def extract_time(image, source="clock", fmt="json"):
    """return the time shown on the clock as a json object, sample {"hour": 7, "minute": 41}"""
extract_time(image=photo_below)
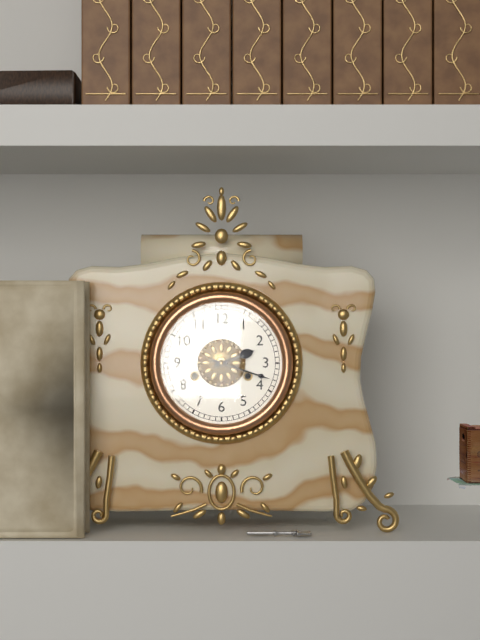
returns {"hour": 2, "minute": 18}
